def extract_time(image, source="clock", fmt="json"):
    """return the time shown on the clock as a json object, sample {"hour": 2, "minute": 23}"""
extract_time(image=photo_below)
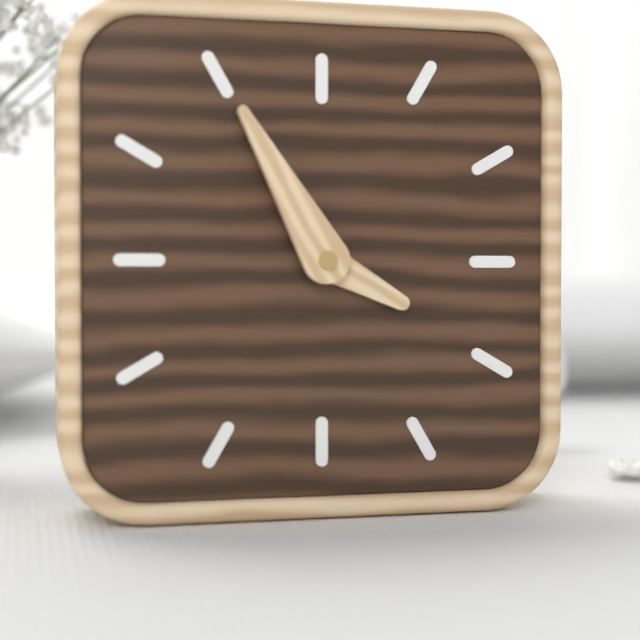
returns {"hour": 3, "minute": 55}
